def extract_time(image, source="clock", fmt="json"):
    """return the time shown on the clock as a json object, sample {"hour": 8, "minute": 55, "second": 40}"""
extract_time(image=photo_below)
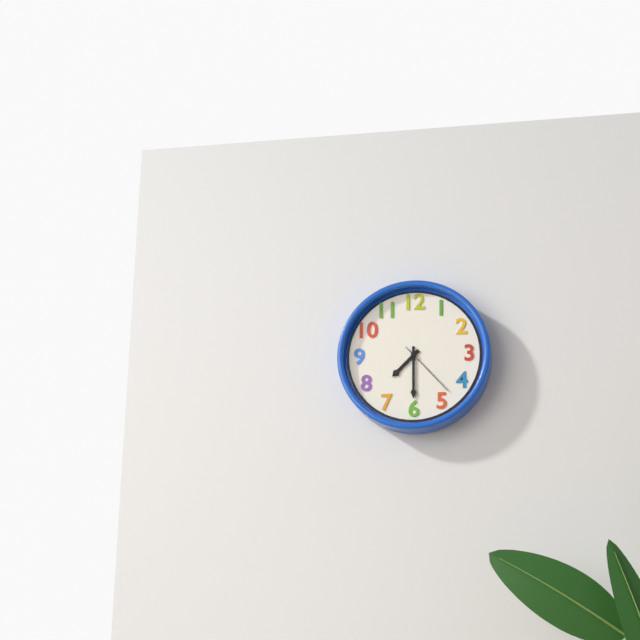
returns {"hour": 7, "minute": 30, "second": 23}
